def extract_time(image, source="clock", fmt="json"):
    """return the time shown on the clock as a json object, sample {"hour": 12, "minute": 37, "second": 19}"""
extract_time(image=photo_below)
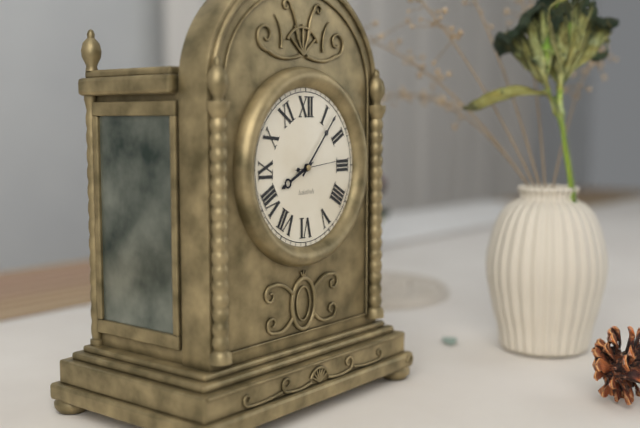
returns {"hour": 8, "minute": 7, "second": 14}
